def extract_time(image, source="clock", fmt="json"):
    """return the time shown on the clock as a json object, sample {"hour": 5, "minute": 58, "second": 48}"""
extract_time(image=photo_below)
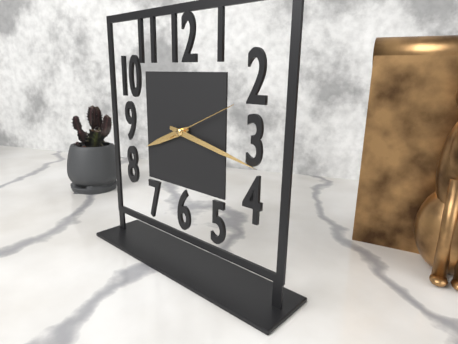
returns {"hour": 8, "minute": 17, "second": 11}
